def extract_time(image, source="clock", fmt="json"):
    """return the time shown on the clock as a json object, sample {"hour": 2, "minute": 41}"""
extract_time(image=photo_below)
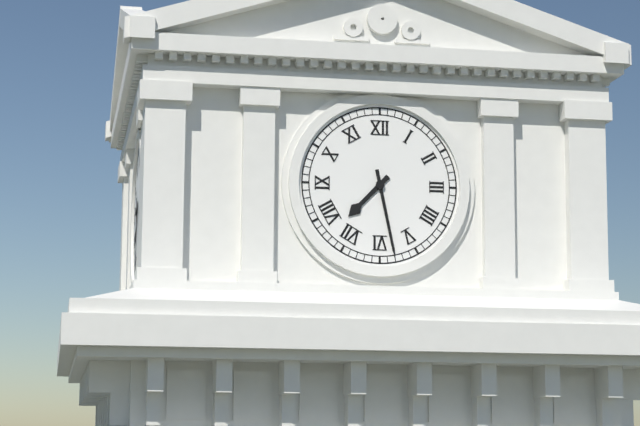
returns {"hour": 7, "minute": 28}
